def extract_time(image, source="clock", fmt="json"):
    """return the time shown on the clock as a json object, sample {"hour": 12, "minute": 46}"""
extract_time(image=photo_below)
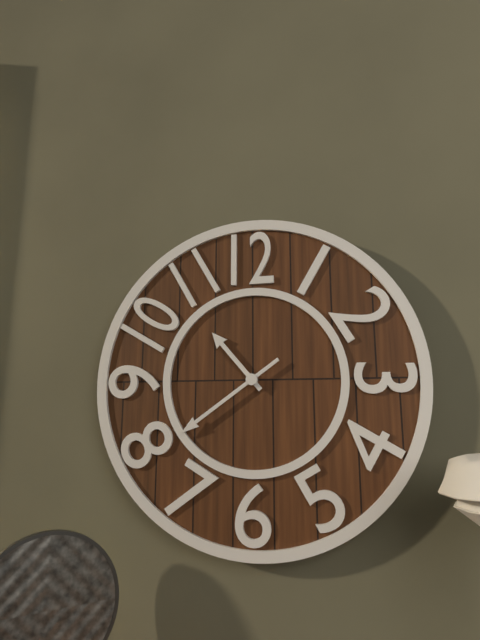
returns {"hour": 10, "minute": 39}
